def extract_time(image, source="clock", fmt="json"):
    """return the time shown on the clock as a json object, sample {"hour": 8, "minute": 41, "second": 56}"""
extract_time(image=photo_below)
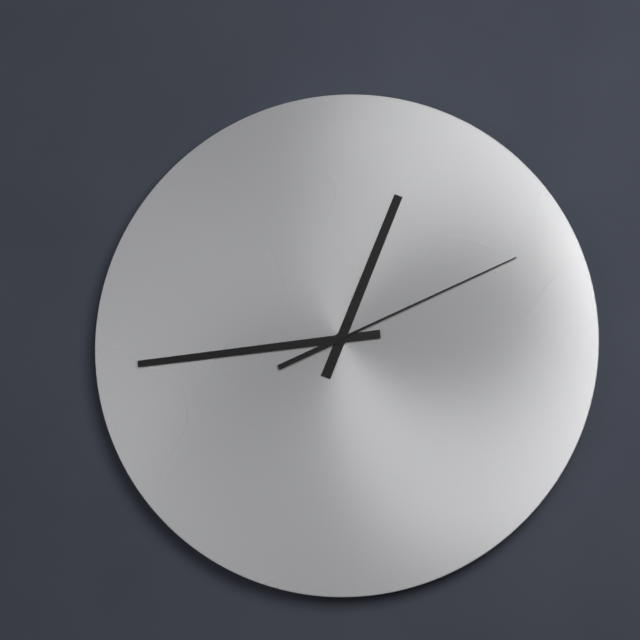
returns {"hour": 12, "minute": 44, "second": 11}
